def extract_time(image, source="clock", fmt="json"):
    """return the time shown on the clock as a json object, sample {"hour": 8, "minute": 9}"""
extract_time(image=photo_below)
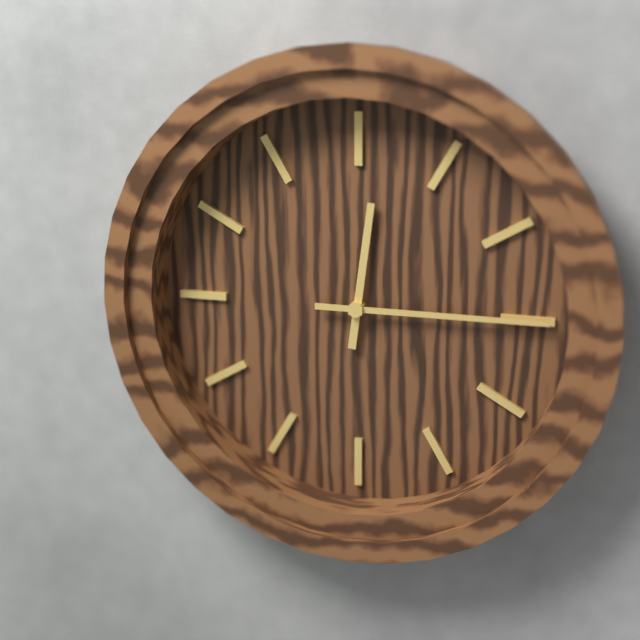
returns {"hour": 12, "minute": 15}
